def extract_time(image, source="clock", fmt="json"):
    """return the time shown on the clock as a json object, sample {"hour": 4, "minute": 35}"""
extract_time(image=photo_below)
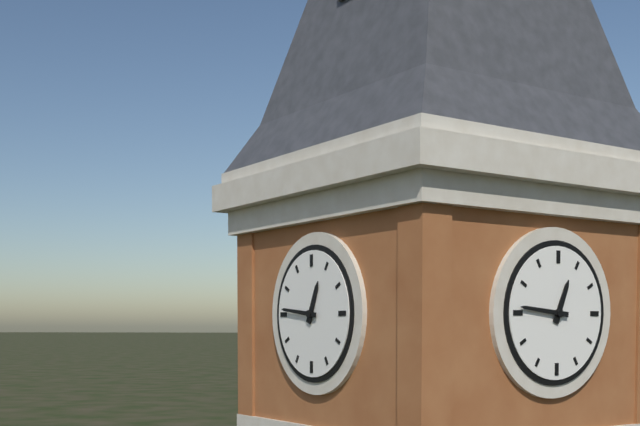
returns {"hour": 12, "minute": 46}
